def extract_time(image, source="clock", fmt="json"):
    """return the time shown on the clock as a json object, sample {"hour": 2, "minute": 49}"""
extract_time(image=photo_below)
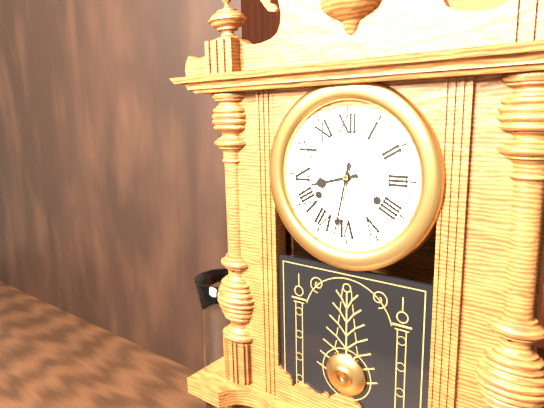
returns {"hour": 8, "minute": 32}
